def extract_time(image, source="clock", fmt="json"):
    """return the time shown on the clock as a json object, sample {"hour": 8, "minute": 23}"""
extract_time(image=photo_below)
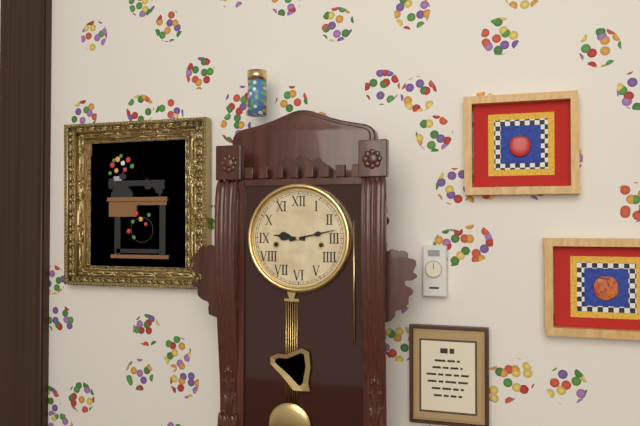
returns {"hour": 9, "minute": 13}
